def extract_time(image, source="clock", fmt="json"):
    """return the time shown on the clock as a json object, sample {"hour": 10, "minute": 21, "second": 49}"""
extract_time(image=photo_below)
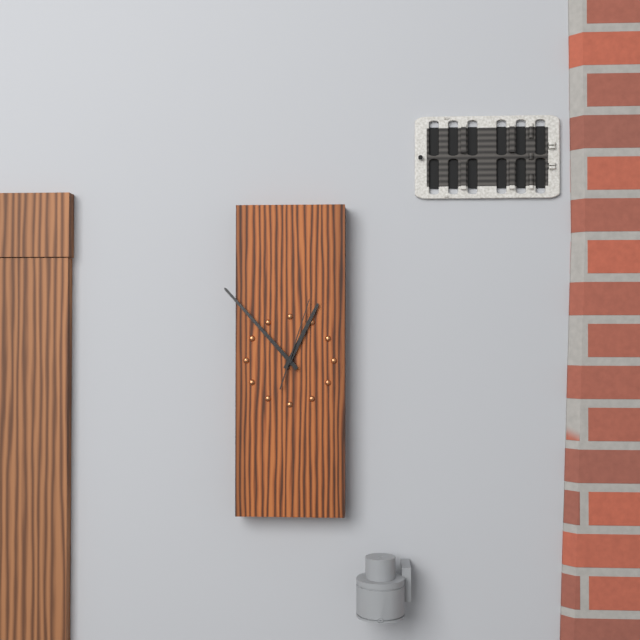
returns {"hour": 12, "minute": 53, "second": 3}
